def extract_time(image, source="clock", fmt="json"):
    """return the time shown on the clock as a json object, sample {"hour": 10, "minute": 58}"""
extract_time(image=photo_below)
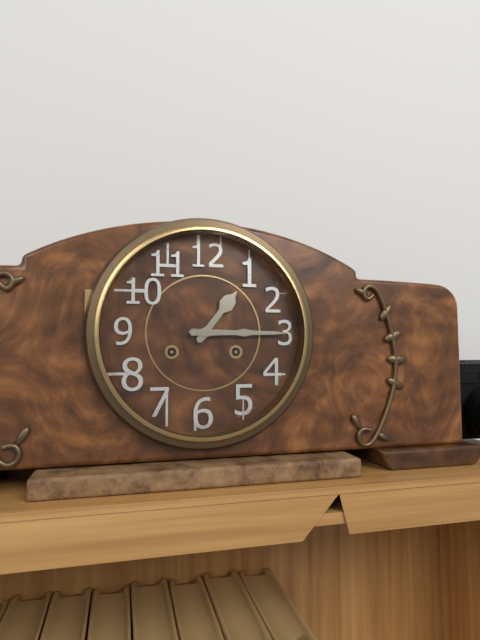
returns {"hour": 1, "minute": 15}
